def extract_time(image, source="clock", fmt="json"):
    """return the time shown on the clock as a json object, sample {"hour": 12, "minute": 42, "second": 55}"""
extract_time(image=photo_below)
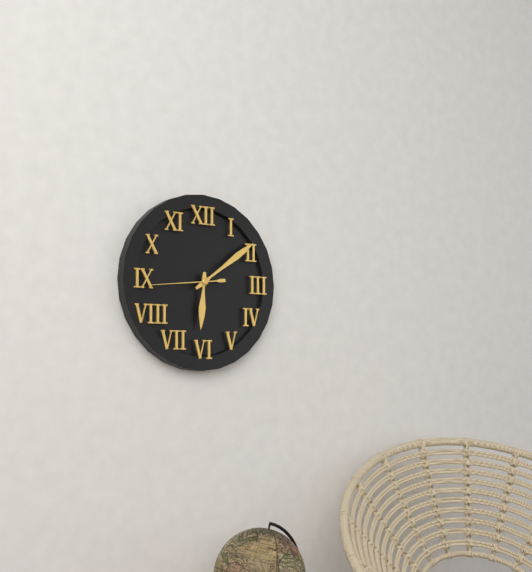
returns {"hour": 6, "minute": 9, "second": 44}
